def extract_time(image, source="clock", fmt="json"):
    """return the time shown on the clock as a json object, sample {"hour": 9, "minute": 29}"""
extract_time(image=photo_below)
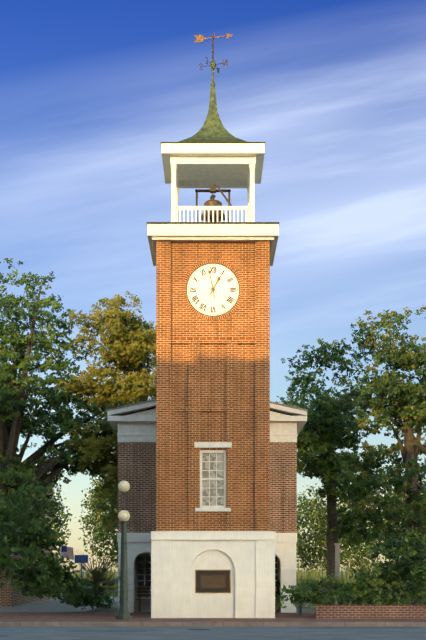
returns {"hour": 12, "minute": 58}
